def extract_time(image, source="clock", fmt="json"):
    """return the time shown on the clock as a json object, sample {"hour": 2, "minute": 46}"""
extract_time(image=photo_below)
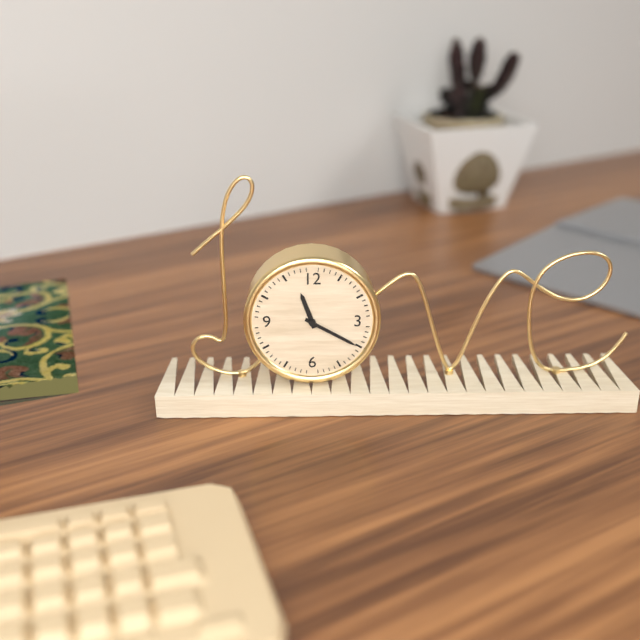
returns {"hour": 11, "minute": 20}
